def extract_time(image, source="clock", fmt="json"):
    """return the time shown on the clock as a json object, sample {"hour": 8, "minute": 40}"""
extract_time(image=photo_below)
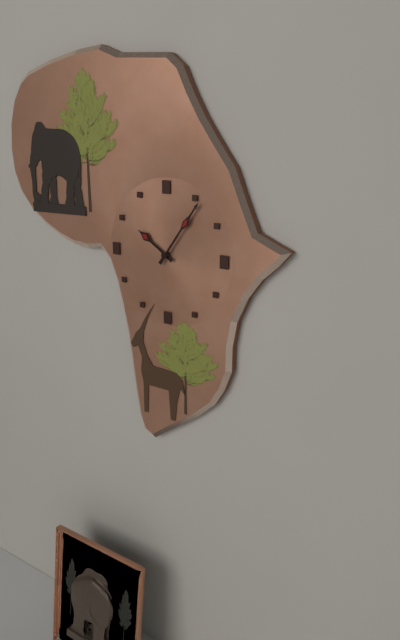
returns {"hour": 10, "minute": 6}
